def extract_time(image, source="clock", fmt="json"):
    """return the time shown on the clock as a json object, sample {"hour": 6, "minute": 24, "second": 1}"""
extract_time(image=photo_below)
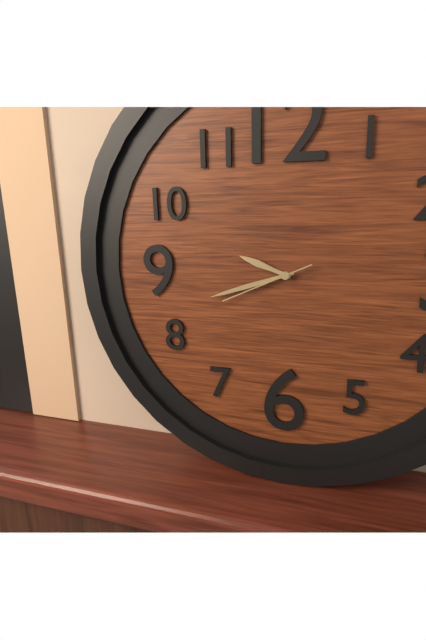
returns {"hour": 9, "minute": 42, "second": 41}
